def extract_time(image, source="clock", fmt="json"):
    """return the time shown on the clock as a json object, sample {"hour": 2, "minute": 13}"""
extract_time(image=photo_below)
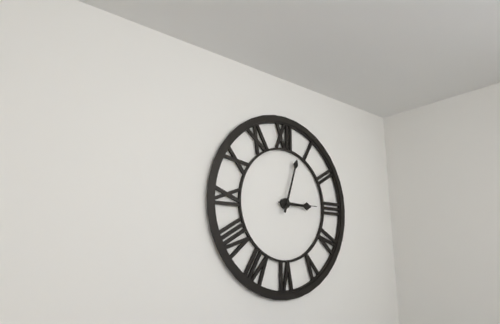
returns {"hour": 3, "minute": 3}
